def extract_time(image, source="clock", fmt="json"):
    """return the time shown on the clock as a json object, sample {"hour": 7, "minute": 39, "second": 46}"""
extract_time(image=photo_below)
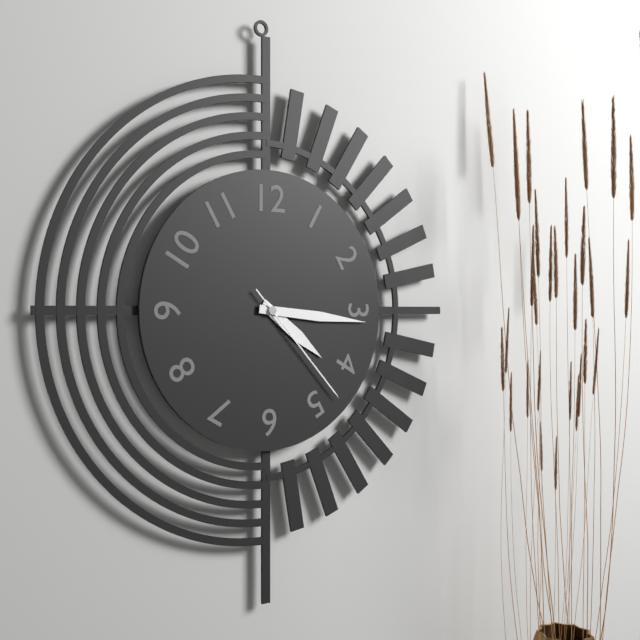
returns {"hour": 4, "minute": 16, "second": 23}
